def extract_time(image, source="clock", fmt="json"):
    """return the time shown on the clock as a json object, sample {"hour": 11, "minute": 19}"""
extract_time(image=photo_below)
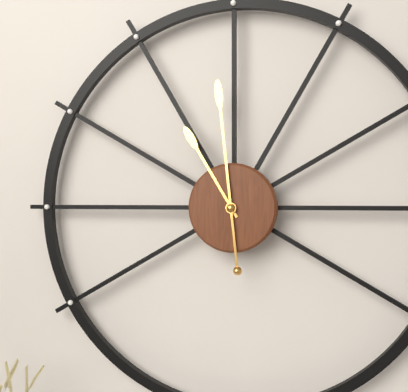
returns {"hour": 10, "minute": 59}
